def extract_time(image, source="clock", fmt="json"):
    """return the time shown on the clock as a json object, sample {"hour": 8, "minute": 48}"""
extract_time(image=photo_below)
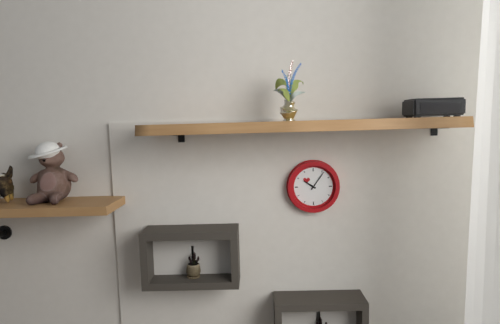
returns {"hour": 10, "minute": 6}
